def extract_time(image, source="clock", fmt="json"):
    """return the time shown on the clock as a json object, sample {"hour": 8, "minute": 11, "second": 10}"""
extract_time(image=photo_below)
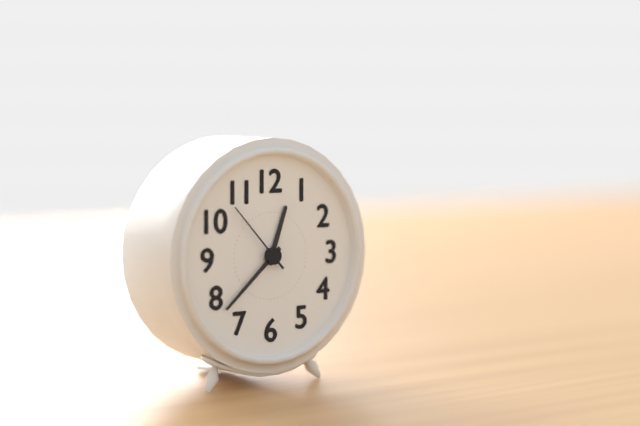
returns {"hour": 12, "minute": 38, "second": 53}
